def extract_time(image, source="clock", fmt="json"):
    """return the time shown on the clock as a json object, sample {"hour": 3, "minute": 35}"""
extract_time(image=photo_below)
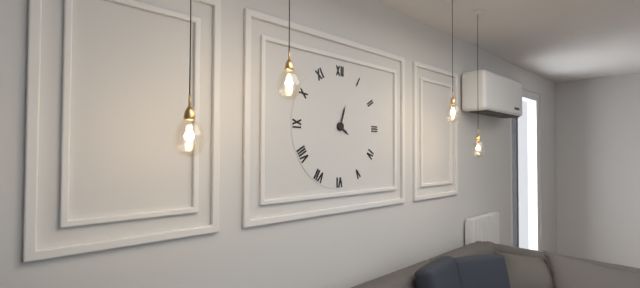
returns {"hour": 4, "minute": 3}
